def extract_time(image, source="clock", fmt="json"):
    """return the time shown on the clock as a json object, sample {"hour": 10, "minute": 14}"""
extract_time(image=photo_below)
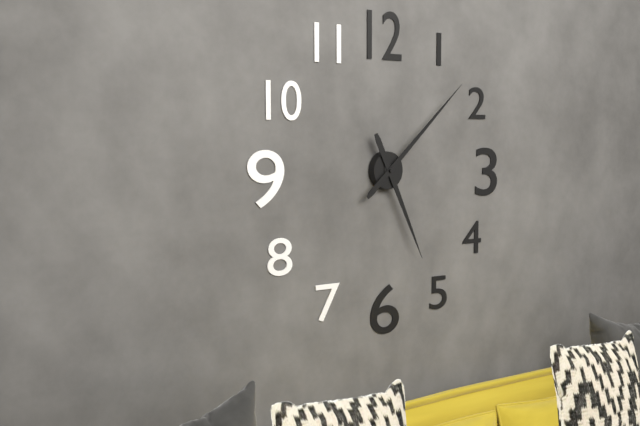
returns {"hour": 5, "minute": 8}
